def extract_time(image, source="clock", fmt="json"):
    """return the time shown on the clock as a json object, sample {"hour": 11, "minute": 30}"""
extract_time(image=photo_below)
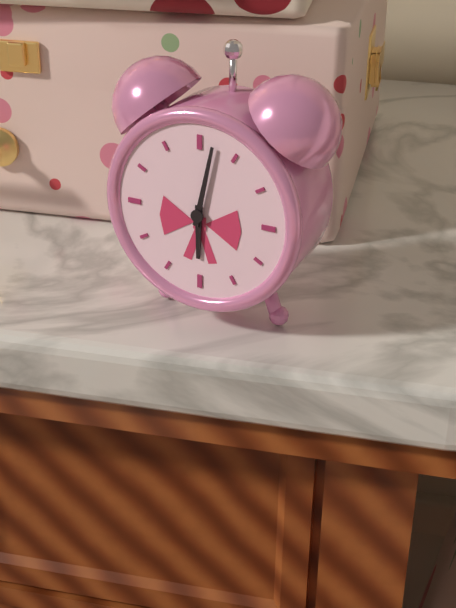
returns {"hour": 6, "minute": 2}
